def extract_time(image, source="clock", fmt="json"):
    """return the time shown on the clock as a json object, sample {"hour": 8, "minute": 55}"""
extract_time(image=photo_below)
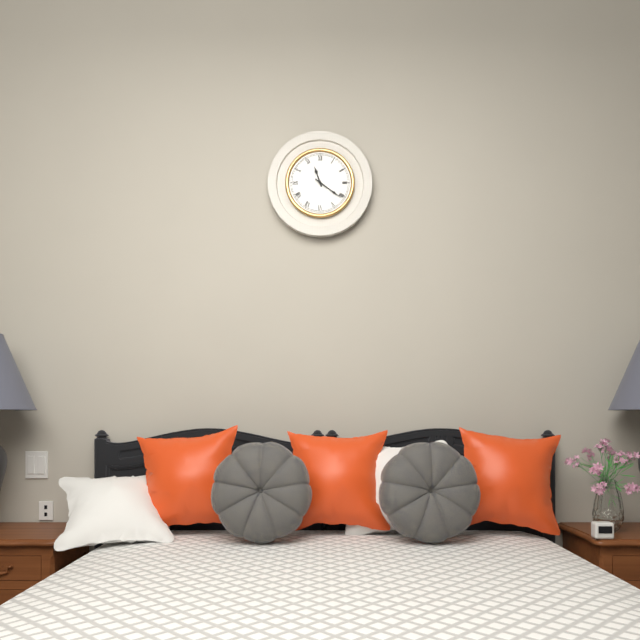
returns {"hour": 11, "minute": 21}
